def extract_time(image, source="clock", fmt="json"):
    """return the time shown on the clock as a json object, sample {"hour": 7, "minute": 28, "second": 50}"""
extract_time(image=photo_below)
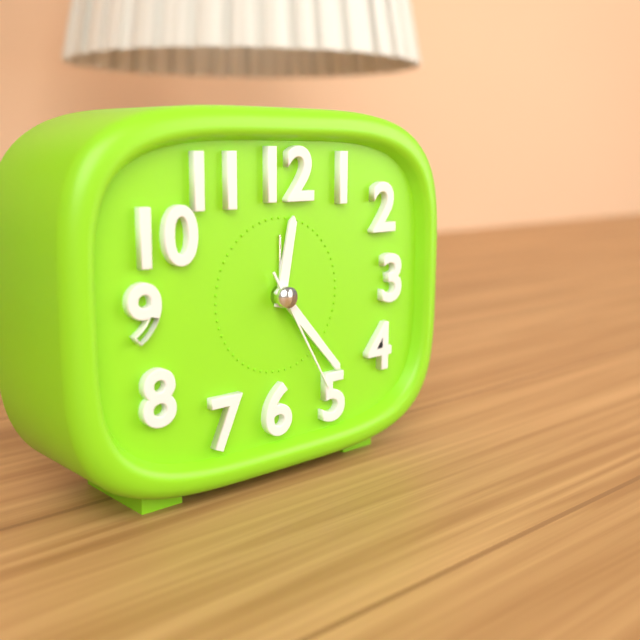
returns {"hour": 12, "minute": 23, "second": 25}
